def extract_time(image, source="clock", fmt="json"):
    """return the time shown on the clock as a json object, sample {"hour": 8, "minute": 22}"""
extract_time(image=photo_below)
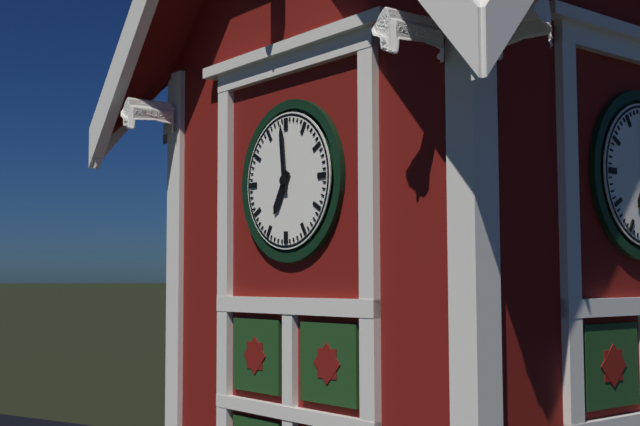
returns {"hour": 6, "minute": 59}
